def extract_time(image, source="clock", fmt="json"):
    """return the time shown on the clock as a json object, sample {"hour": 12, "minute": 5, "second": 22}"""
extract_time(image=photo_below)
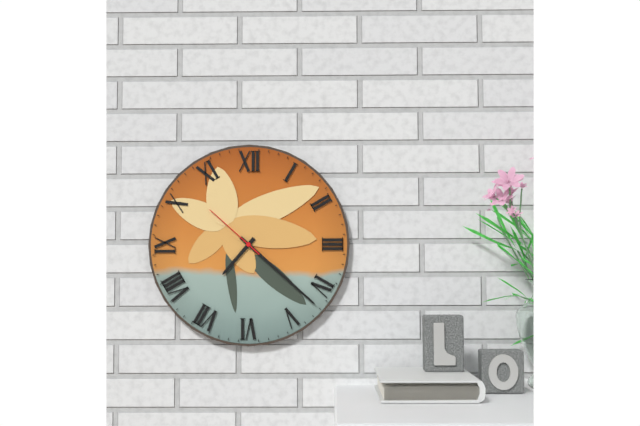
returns {"hour": 7, "minute": 22, "second": 52}
